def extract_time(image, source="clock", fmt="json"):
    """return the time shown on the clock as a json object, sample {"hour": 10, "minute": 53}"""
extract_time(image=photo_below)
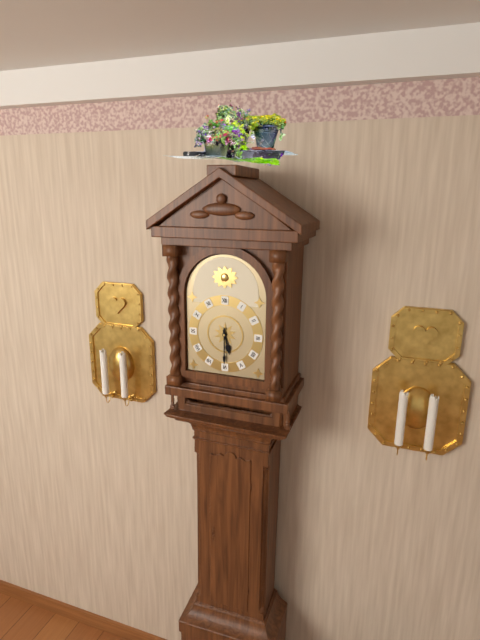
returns {"hour": 5, "minute": 30}
